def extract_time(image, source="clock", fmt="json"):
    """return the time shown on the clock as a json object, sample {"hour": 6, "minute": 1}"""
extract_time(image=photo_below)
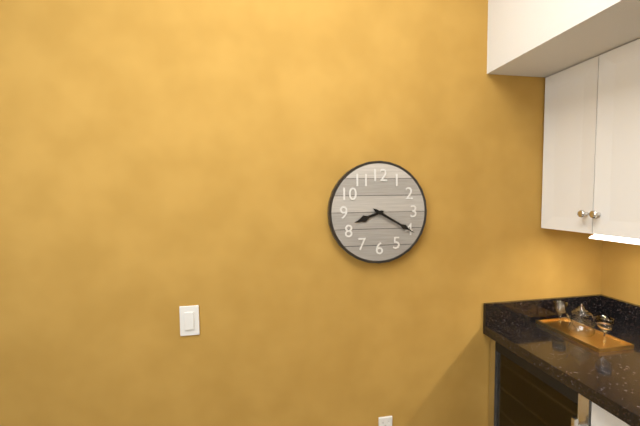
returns {"hour": 8, "minute": 20}
